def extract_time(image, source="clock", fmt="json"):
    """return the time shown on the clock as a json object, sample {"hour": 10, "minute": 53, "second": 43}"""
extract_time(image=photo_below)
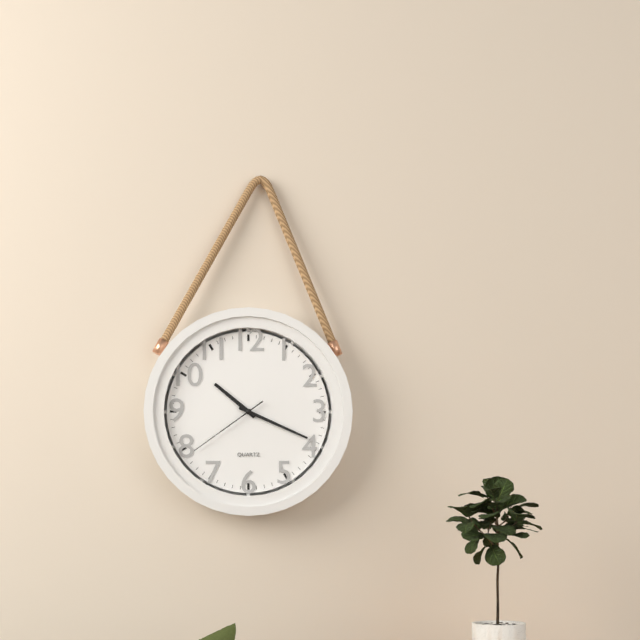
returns {"hour": 10, "minute": 19, "second": 39}
